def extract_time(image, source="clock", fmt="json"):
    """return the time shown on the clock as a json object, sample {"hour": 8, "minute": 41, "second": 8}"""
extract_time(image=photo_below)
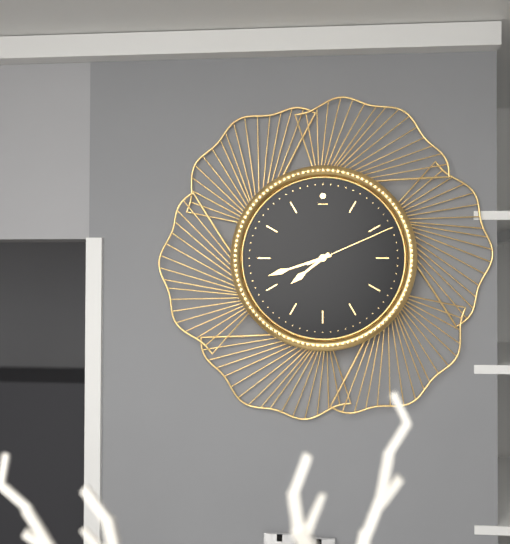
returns {"hour": 7, "minute": 42, "second": 11}
